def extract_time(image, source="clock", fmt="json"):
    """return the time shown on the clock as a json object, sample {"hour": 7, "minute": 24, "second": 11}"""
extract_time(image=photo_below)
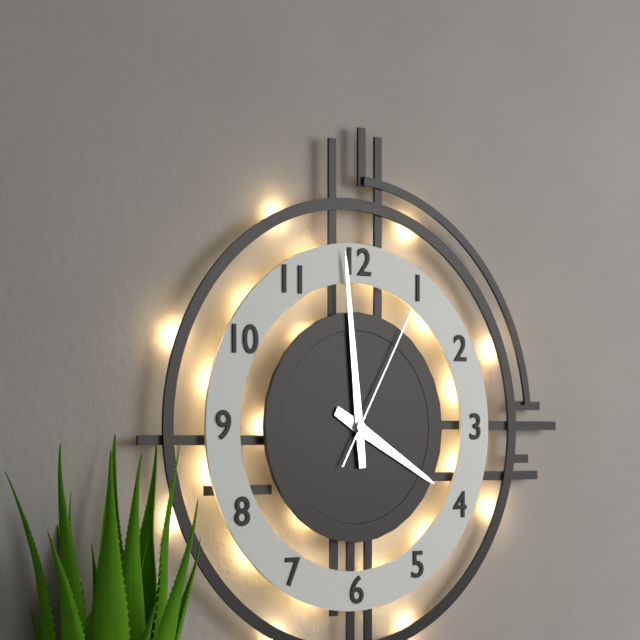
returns {"hour": 3, "minute": 59, "second": 5}
